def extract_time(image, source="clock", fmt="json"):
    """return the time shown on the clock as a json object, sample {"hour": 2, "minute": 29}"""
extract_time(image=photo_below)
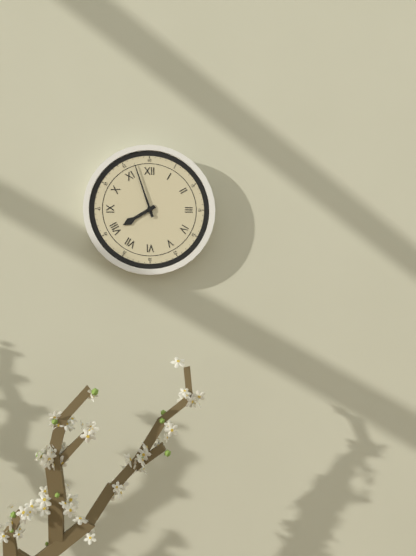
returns {"hour": 7, "minute": 57}
